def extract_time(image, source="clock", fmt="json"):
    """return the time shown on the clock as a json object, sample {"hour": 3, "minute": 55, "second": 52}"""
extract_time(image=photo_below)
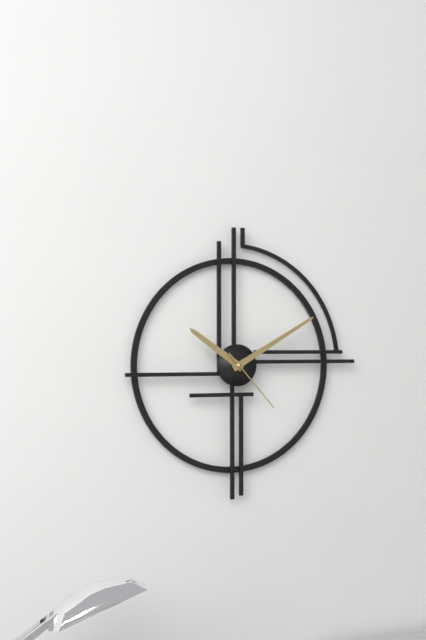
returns {"hour": 10, "minute": 10, "second": 23}
